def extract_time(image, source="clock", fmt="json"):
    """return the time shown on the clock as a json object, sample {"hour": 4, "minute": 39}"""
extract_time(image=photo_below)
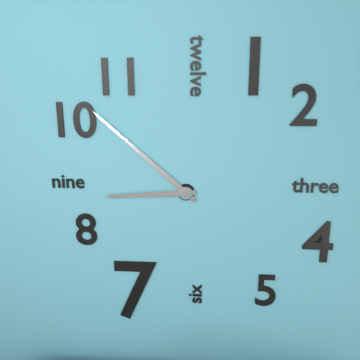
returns {"hour": 8, "minute": 52}
